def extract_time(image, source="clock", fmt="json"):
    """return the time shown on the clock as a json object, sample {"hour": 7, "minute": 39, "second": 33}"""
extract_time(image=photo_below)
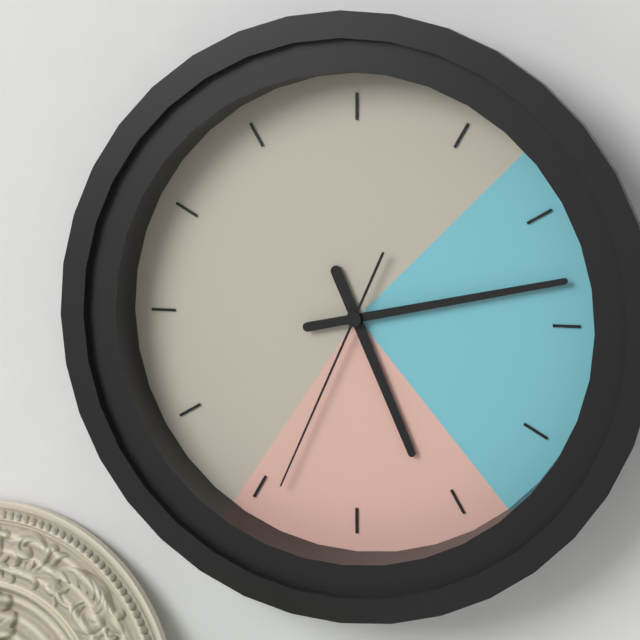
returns {"hour": 5, "minute": 13, "second": 34}
